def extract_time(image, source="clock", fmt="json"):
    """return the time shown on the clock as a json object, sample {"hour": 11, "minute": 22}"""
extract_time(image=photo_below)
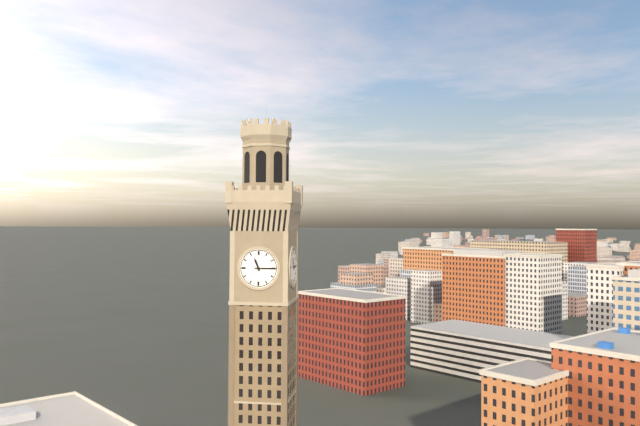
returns {"hour": 11, "minute": 15}
